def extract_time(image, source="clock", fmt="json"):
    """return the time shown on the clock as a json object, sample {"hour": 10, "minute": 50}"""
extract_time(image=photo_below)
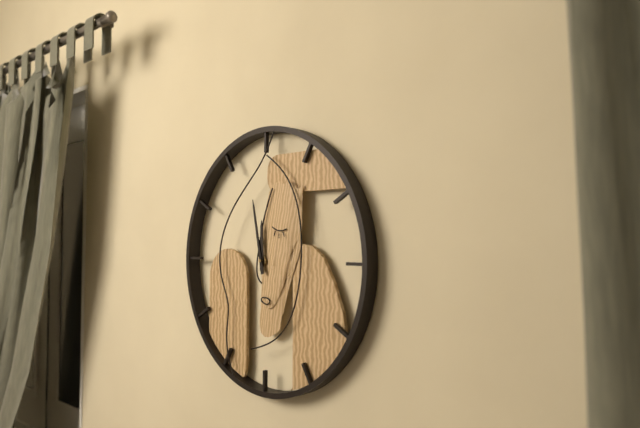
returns {"hour": 11, "minute": 58}
